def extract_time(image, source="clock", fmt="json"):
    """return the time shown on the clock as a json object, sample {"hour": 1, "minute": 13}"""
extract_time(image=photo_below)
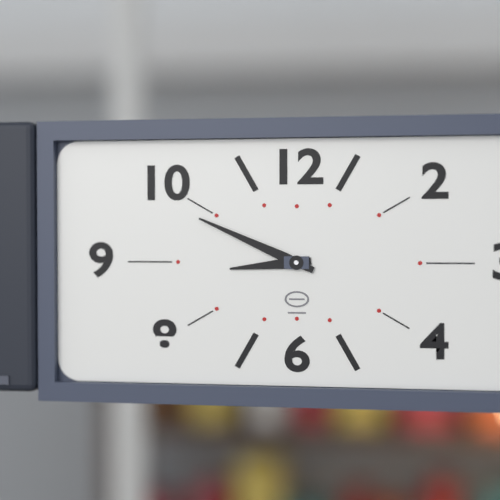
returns {"hour": 8, "minute": 49}
